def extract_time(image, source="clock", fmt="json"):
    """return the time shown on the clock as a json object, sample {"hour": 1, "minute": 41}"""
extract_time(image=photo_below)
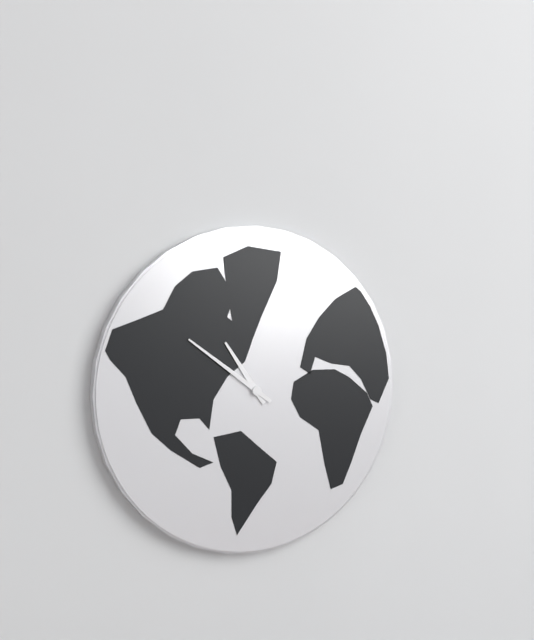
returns {"hour": 10, "minute": 51}
